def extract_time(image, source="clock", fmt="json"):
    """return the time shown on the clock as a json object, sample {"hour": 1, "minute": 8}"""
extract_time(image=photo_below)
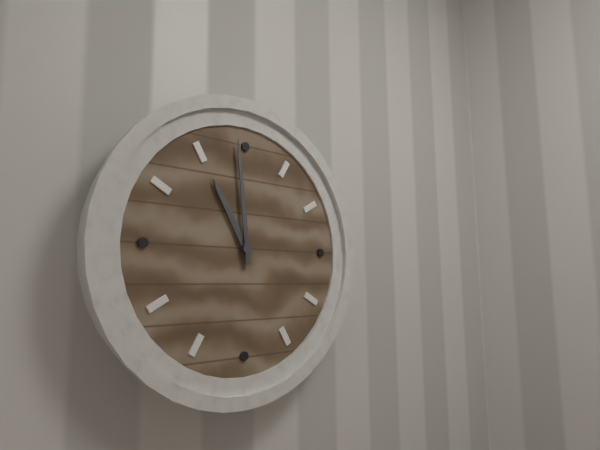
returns {"hour": 10, "minute": 59}
